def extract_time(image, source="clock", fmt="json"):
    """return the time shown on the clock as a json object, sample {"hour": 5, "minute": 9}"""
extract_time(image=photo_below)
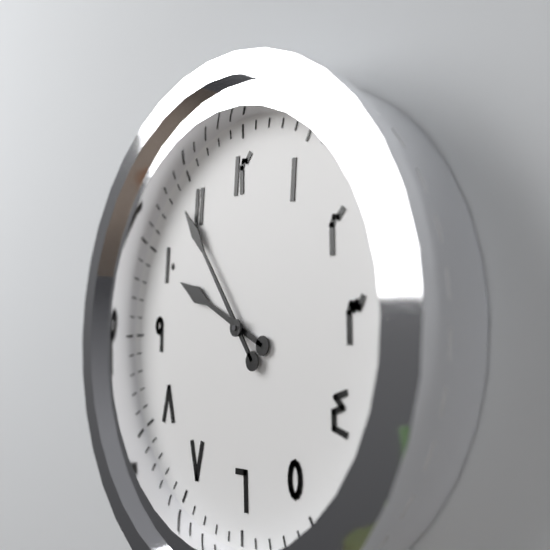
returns {"hour": 9, "minute": 54}
